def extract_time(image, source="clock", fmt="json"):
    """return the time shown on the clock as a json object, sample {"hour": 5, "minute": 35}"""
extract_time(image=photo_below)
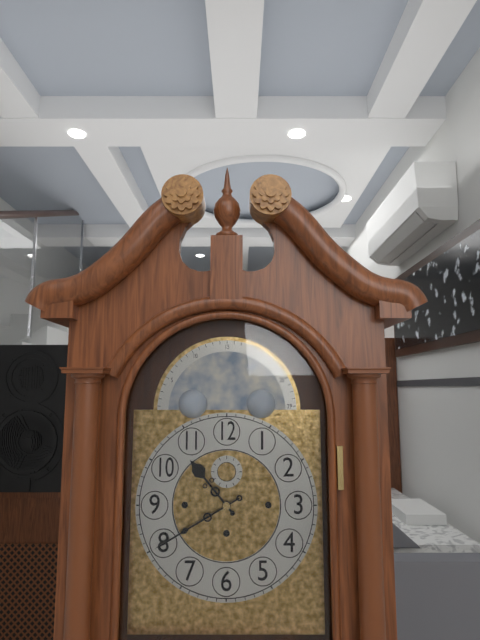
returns {"hour": 10, "minute": 40}
